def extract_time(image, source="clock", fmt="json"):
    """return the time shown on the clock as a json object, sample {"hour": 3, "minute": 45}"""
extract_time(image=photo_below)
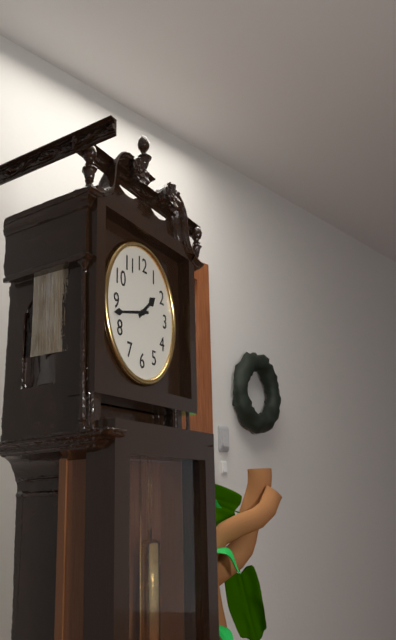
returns {"hour": 1, "minute": 43}
